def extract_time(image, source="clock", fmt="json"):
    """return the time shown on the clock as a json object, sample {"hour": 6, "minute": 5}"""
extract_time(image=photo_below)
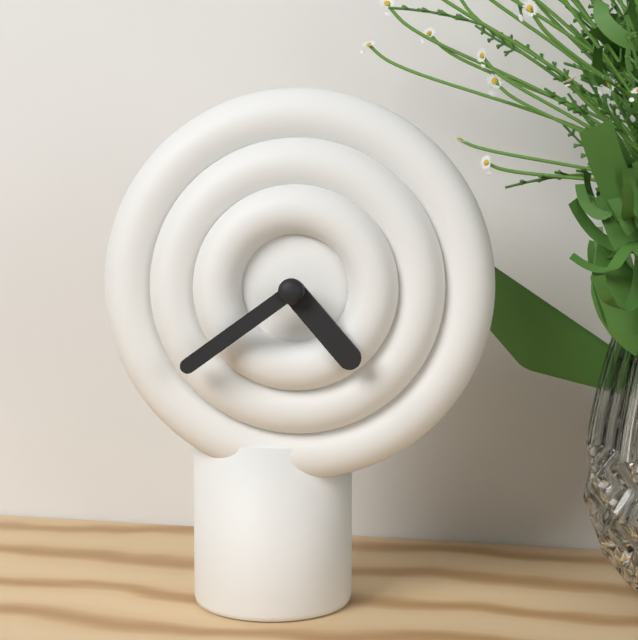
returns {"hour": 4, "minute": 39}
